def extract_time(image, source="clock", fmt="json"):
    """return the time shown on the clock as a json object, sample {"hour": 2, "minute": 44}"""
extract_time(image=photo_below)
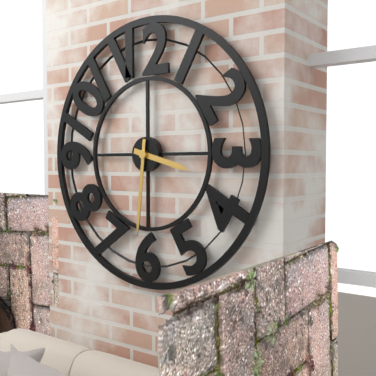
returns {"hour": 3, "minute": 31}
